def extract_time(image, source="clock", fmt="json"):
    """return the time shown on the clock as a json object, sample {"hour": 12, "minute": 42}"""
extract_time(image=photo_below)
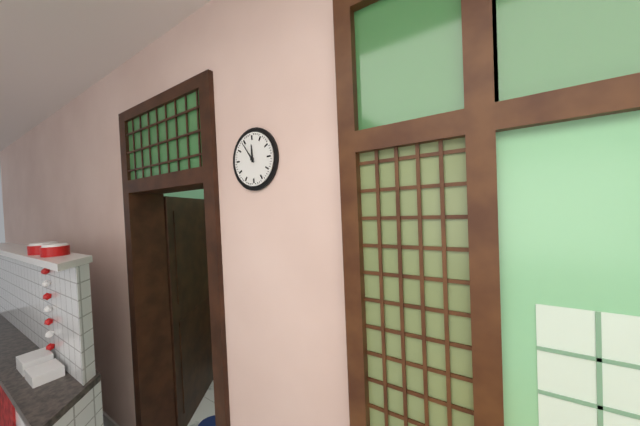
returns {"hour": 11, "minute": 54}
